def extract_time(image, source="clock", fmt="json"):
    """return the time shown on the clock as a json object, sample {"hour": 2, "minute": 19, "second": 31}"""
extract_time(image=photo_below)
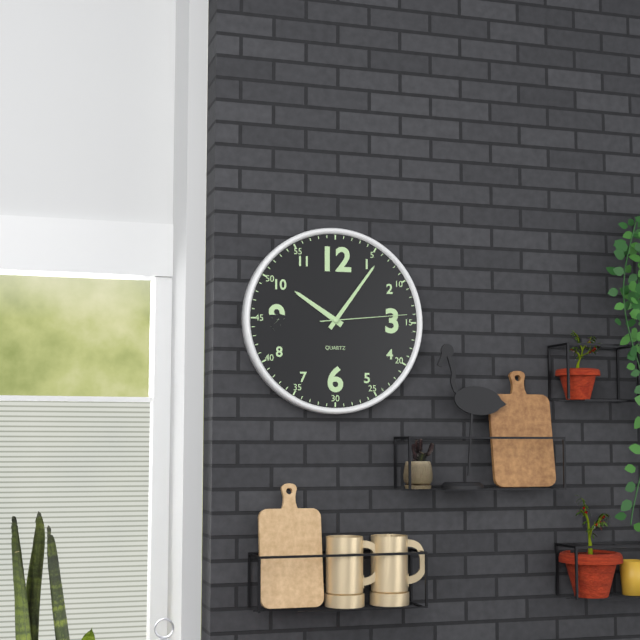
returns {"hour": 10, "minute": 6, "second": 14}
